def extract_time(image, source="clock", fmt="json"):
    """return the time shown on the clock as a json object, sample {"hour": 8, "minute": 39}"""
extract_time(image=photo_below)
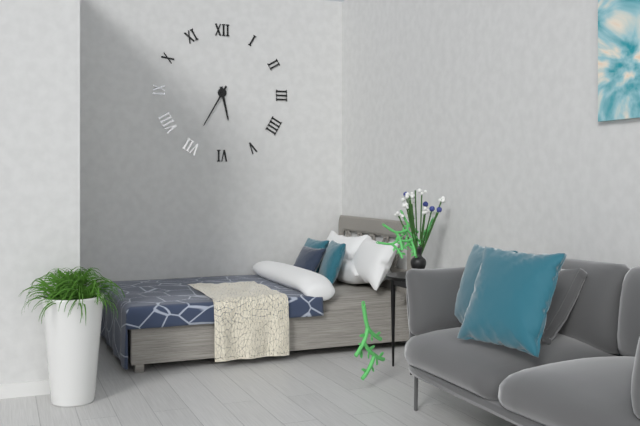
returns {"hour": 5, "minute": 35}
